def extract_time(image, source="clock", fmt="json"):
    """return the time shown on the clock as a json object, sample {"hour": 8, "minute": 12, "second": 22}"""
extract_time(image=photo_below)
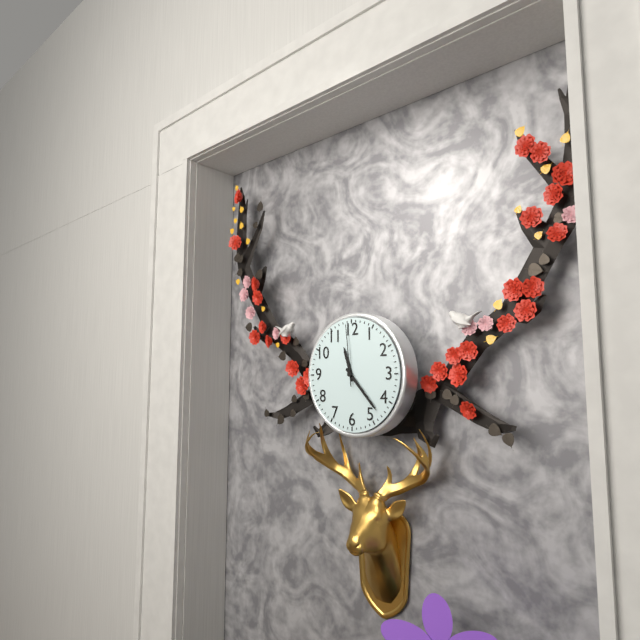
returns {"hour": 11, "minute": 23, "second": 59}
